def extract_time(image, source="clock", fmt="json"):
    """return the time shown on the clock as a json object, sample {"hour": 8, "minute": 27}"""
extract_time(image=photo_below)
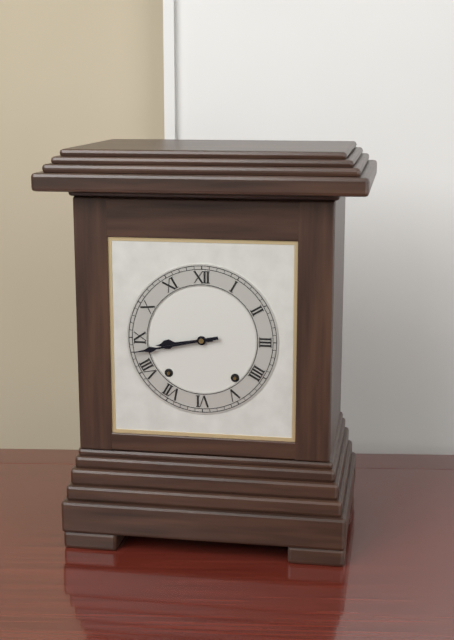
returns {"hour": 8, "minute": 43}
